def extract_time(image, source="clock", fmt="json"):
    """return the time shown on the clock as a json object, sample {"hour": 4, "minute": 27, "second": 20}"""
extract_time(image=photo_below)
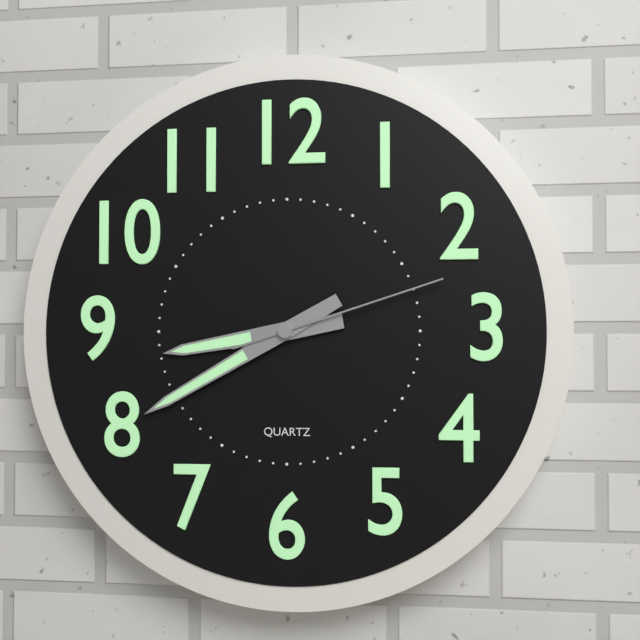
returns {"hour": 8, "minute": 40, "second": 12}
